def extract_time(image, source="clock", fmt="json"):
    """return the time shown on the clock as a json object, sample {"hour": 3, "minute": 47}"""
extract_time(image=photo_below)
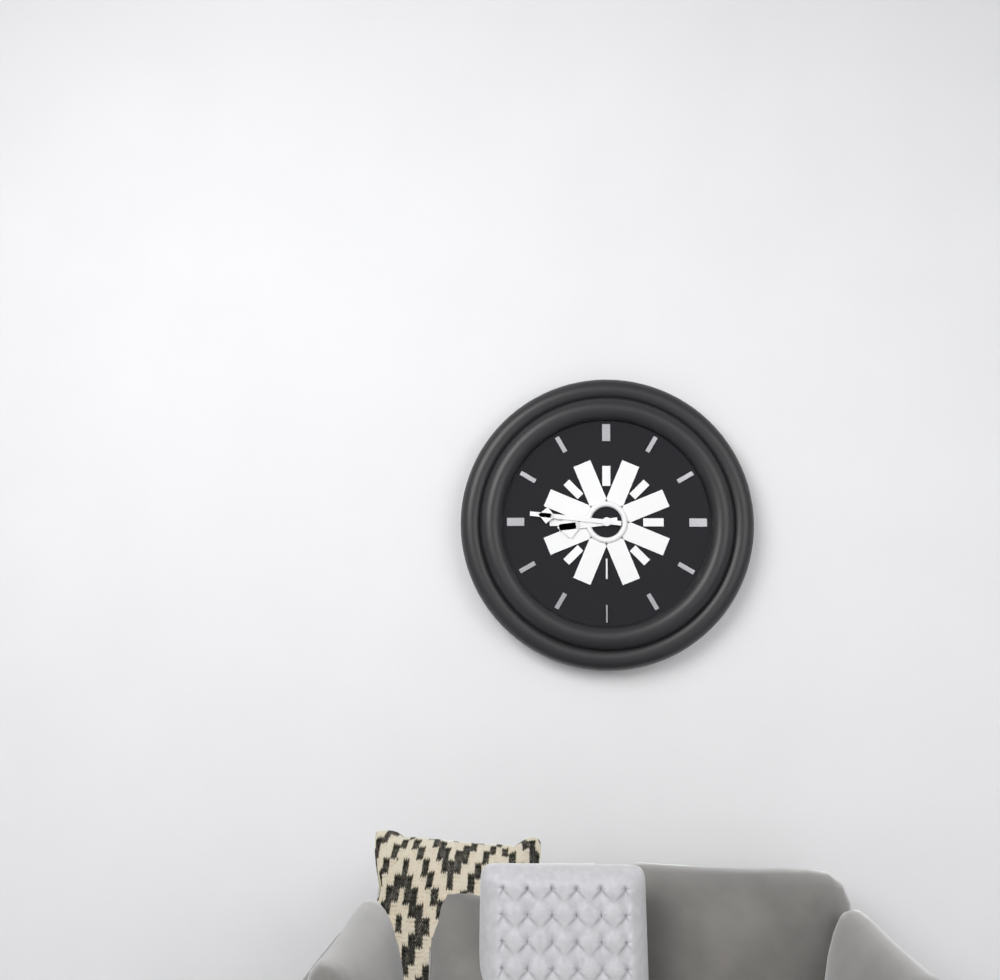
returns {"hour": 8, "minute": 46}
